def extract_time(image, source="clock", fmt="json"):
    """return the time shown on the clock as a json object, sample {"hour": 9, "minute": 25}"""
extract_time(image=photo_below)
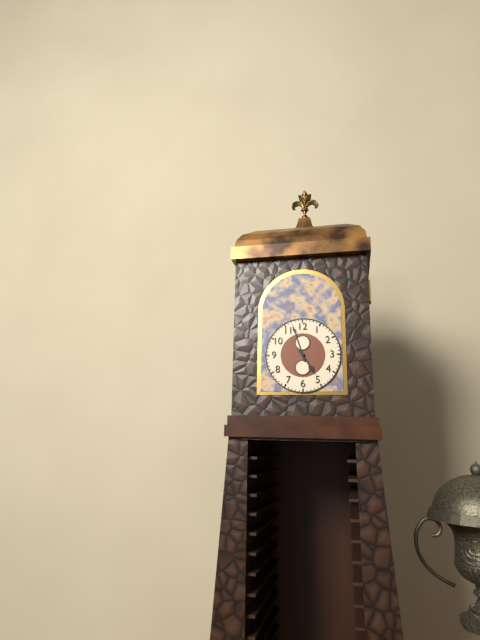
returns {"hour": 4, "minute": 57}
